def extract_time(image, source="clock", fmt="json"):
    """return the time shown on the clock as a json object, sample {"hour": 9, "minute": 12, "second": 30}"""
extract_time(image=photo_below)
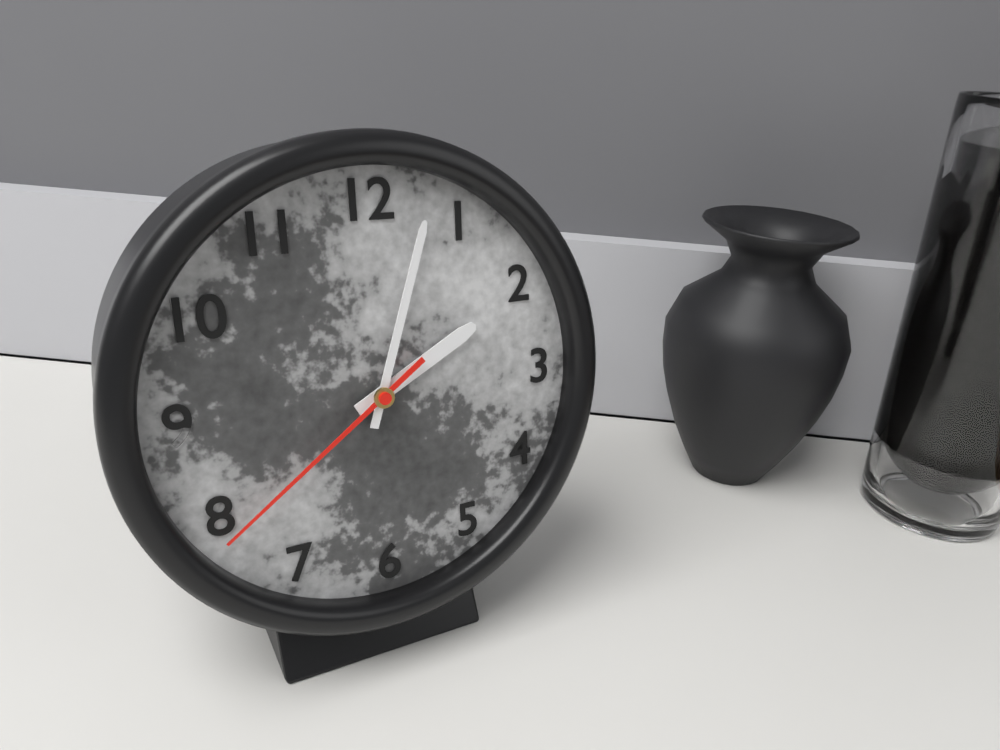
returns {"hour": 2, "minute": 3, "second": 39}
